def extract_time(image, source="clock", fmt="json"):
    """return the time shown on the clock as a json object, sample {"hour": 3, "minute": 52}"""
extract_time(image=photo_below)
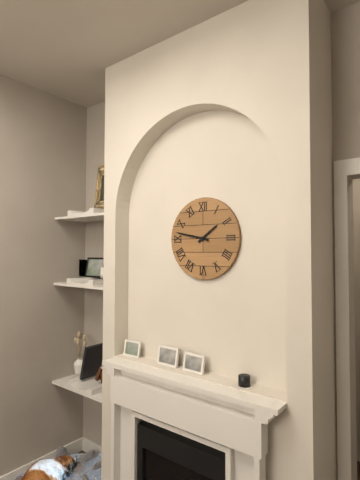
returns {"hour": 1, "minute": 47}
